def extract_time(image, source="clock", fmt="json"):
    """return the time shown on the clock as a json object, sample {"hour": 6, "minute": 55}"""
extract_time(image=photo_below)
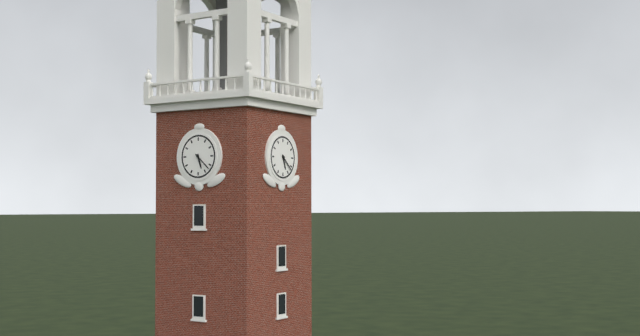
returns {"hour": 5, "minute": 22}
